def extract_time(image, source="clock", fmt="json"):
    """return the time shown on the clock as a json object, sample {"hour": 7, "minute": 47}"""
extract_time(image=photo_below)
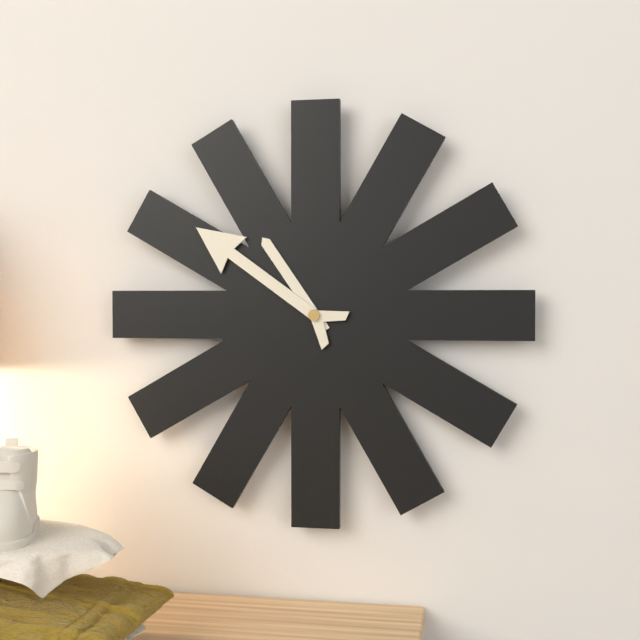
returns {"hour": 10, "minute": 51}
